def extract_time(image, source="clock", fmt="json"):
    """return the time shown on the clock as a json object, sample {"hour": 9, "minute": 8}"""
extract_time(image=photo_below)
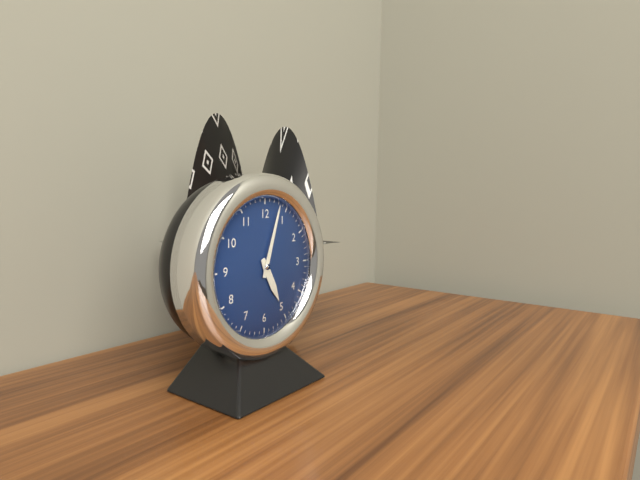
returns {"hour": 5, "minute": 3}
